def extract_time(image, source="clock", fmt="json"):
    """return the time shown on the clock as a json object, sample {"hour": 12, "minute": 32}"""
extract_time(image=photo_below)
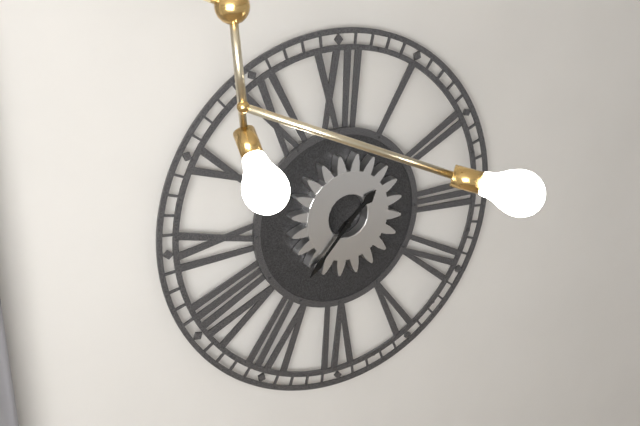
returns {"hour": 1, "minute": 37}
